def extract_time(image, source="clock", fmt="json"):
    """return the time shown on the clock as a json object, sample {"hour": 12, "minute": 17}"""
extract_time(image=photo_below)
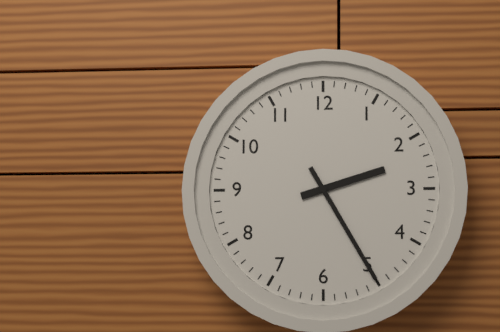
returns {"hour": 2, "minute": 25}
